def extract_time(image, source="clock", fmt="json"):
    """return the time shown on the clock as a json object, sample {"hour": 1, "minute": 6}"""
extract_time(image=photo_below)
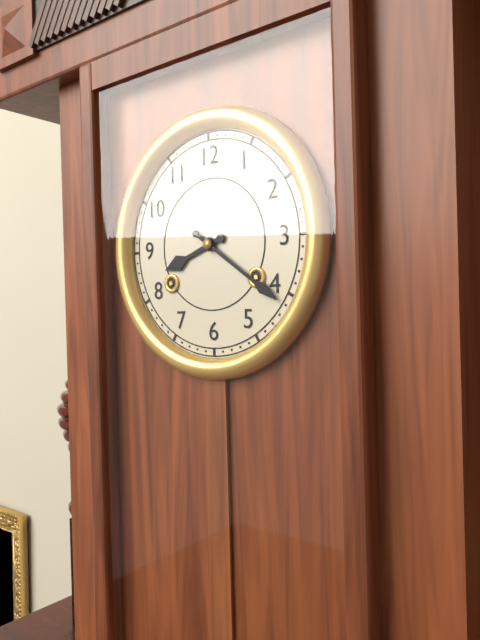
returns {"hour": 8, "minute": 21}
